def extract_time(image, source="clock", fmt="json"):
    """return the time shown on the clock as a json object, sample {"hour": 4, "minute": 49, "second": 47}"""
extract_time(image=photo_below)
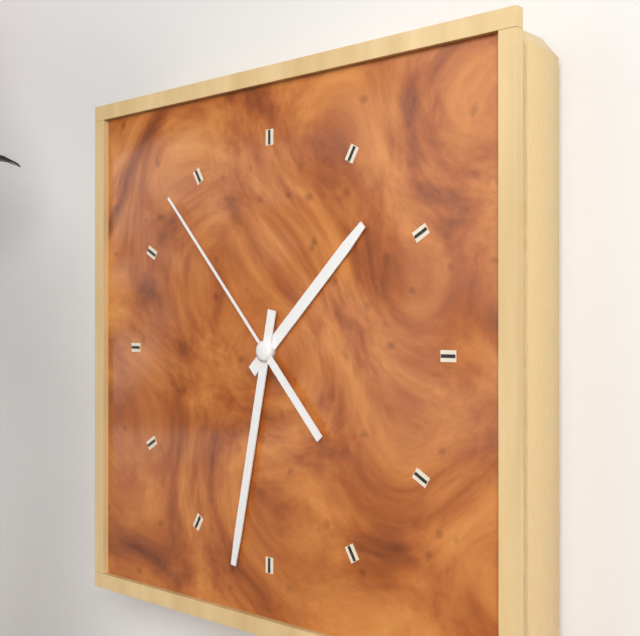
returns {"hour": 1, "minute": 32, "second": 53}
